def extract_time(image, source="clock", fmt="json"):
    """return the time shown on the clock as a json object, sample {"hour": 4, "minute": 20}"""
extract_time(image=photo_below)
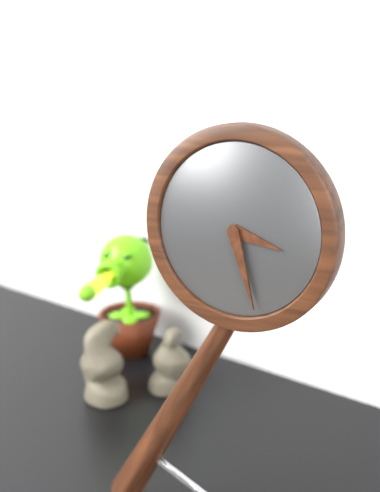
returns {"hour": 3, "minute": 27}
